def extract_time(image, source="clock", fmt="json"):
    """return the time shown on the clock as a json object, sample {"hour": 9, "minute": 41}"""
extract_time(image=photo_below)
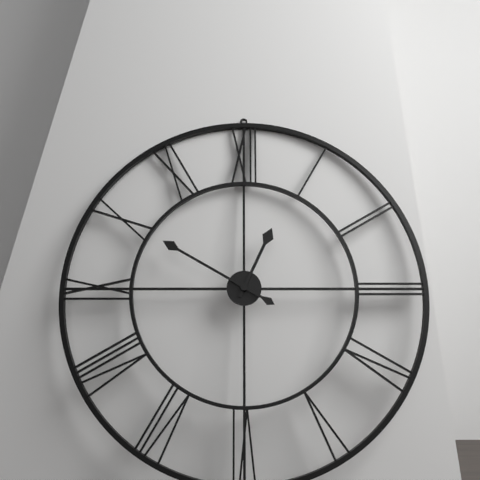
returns {"hour": 12, "minute": 50}
